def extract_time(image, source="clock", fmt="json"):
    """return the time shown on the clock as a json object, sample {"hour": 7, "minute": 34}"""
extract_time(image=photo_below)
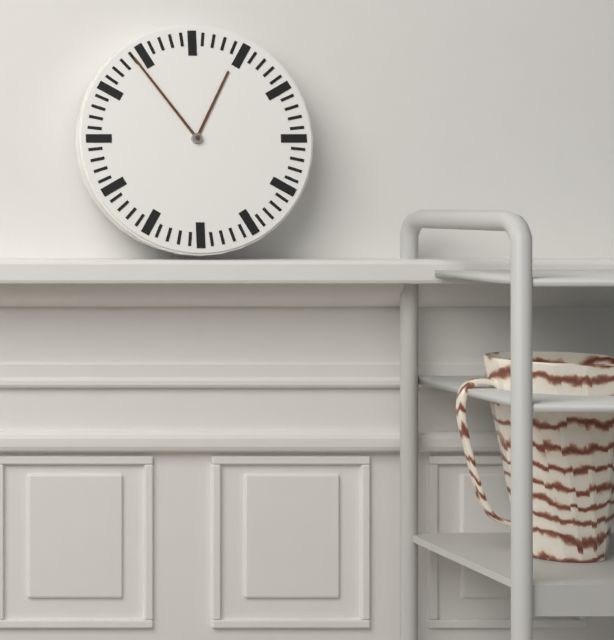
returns {"hour": 12, "minute": 54}
